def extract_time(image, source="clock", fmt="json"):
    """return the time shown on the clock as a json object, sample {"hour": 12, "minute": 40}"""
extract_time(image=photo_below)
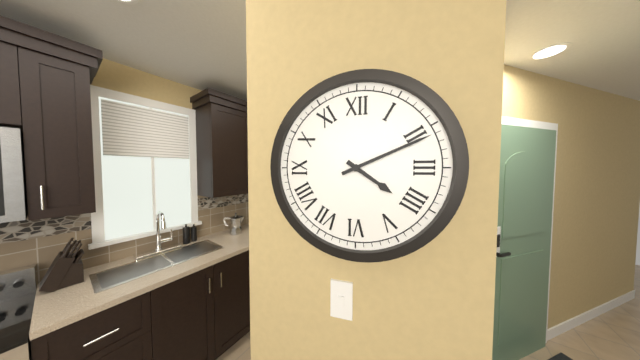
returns {"hour": 4, "minute": 11}
